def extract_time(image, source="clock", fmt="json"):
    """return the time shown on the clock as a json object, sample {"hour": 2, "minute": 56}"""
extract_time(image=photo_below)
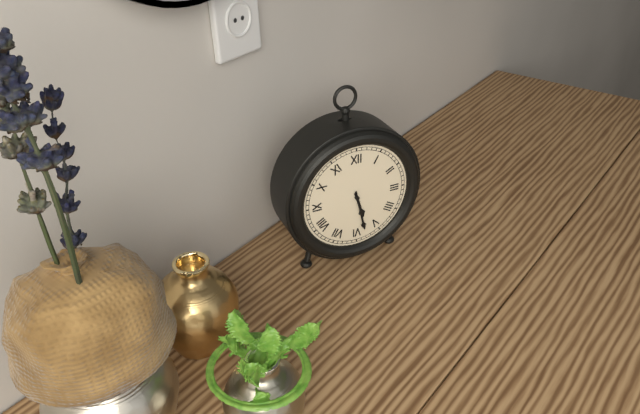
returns {"hour": 5, "minute": 28}
